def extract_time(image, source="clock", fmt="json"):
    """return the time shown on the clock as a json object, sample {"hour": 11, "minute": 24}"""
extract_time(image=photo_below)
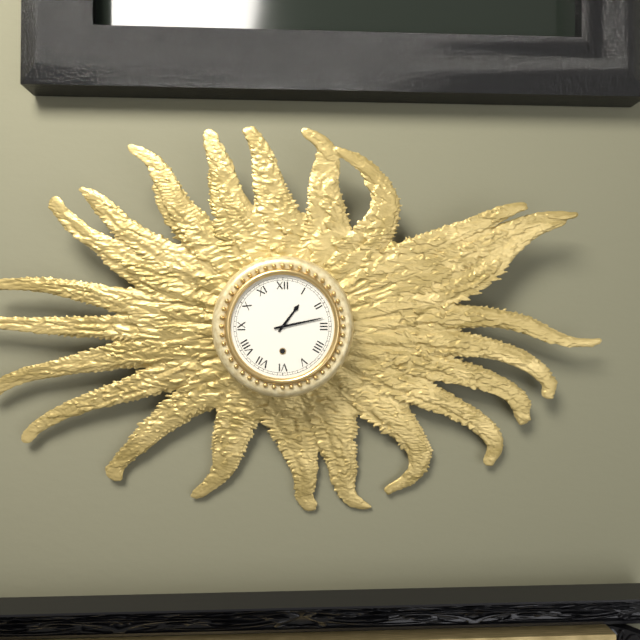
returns {"hour": 1, "minute": 13}
